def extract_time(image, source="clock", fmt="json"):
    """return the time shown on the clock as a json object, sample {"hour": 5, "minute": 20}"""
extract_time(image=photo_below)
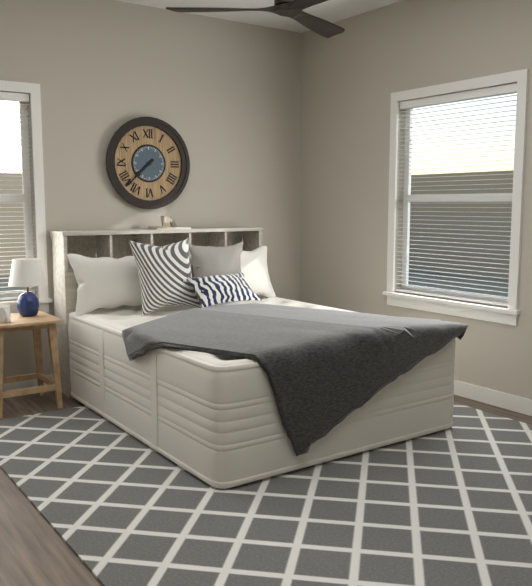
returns {"hour": 7, "minute": 38}
